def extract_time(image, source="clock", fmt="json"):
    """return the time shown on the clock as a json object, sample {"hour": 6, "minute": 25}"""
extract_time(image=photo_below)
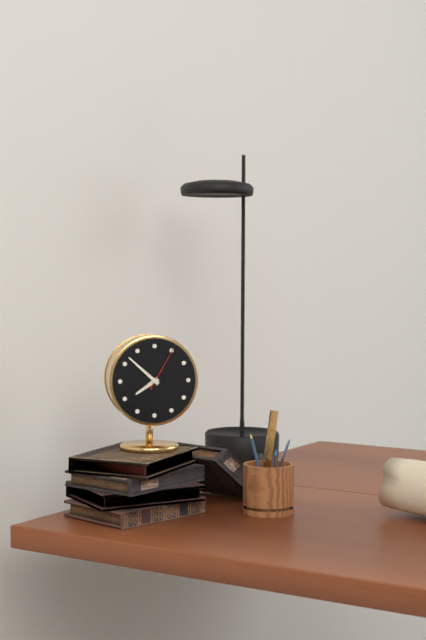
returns {"hour": 7, "minute": 52}
